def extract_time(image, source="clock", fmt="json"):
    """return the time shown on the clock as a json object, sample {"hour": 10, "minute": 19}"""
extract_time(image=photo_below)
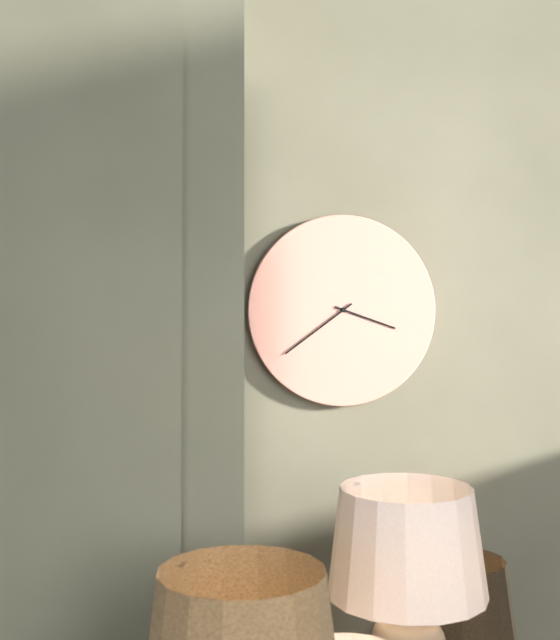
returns {"hour": 3, "minute": 39}
